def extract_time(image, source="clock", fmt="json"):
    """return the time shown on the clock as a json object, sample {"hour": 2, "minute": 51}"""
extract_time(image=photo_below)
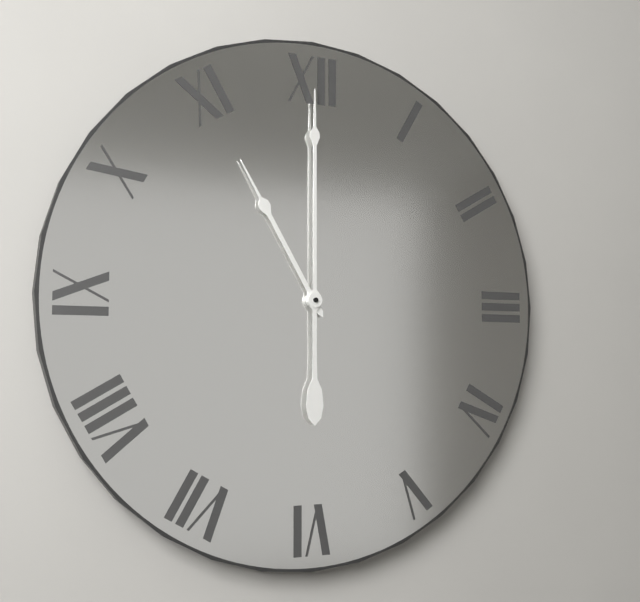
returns {"hour": 11, "minute": 0}
